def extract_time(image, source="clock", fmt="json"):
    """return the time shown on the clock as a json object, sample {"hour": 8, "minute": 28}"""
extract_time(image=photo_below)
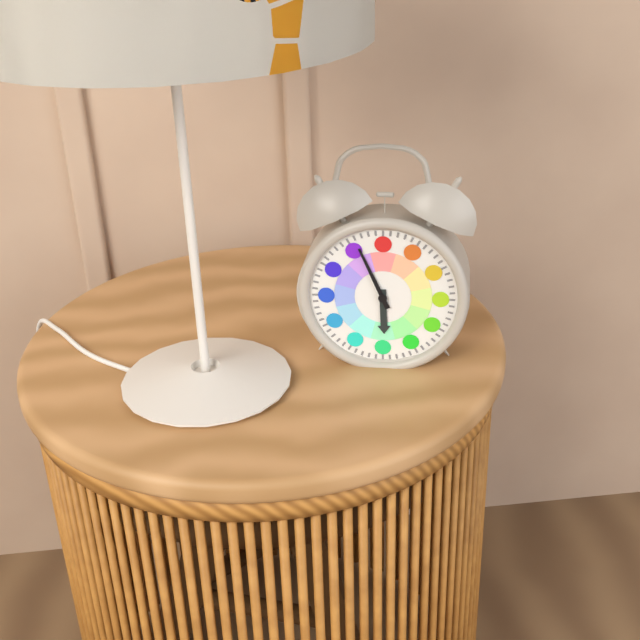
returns {"hour": 5, "minute": 56}
